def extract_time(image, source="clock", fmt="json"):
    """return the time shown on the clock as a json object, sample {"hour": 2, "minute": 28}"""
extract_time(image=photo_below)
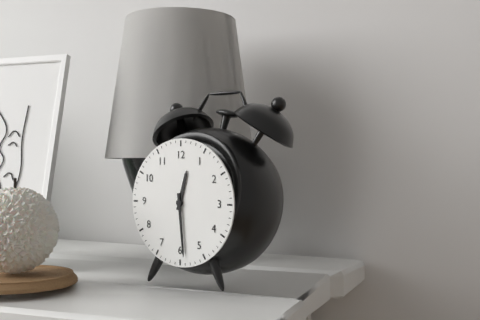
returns {"hour": 12, "minute": 29}
